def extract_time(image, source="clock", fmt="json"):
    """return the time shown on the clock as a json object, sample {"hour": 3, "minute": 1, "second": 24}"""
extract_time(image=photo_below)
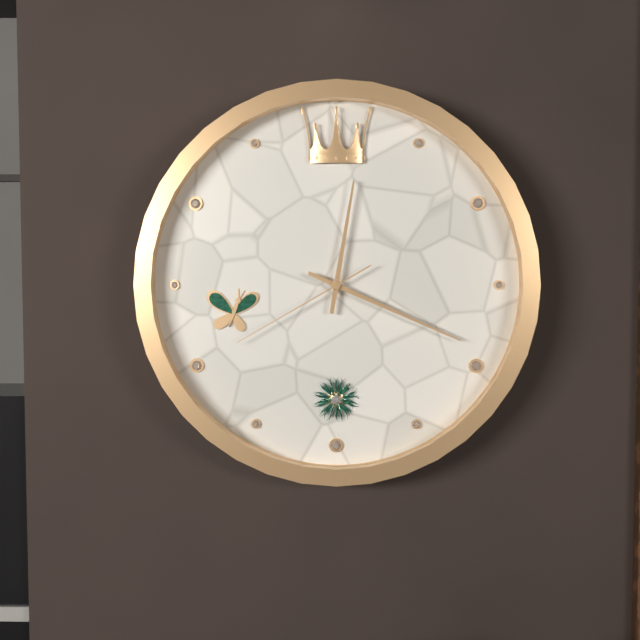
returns {"hour": 12, "minute": 19, "second": 40}
